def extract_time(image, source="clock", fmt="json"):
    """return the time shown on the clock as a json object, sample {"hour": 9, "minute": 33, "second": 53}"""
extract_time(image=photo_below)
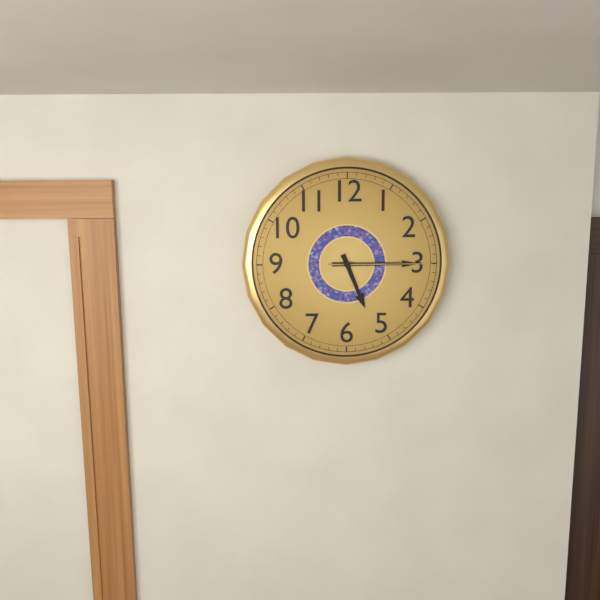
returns {"hour": 5, "minute": 15, "second": 15}
